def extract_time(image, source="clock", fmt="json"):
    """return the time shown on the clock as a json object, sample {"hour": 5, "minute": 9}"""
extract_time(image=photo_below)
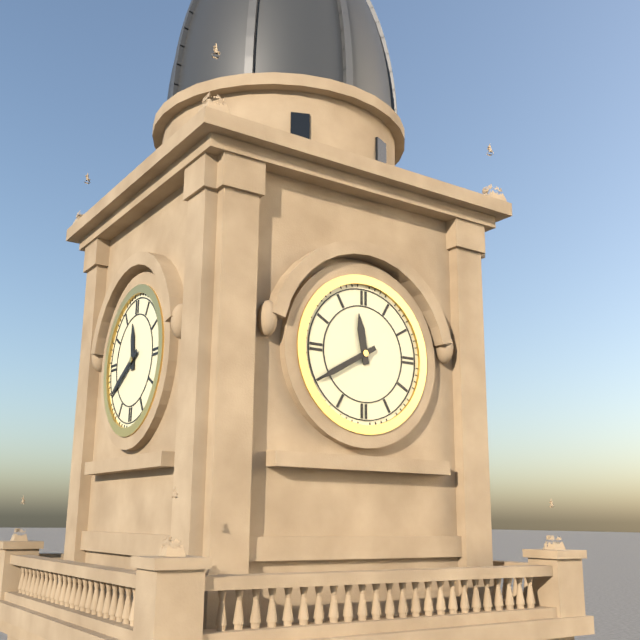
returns {"hour": 11, "minute": 40}
